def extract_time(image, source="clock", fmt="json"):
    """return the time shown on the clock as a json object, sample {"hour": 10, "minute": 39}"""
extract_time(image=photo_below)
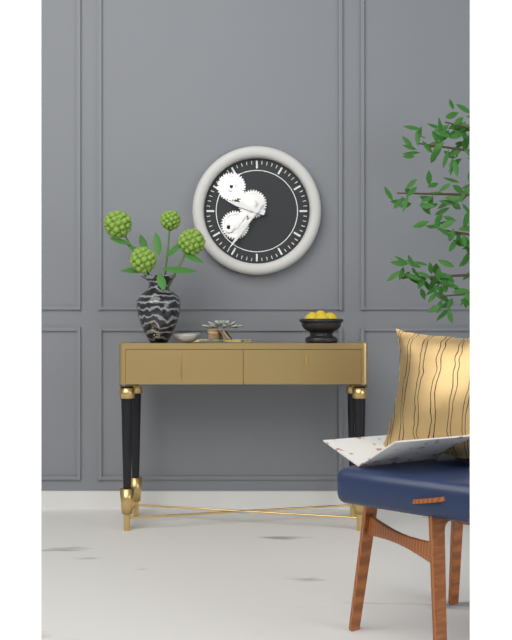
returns {"hour": 9, "minute": 36}
